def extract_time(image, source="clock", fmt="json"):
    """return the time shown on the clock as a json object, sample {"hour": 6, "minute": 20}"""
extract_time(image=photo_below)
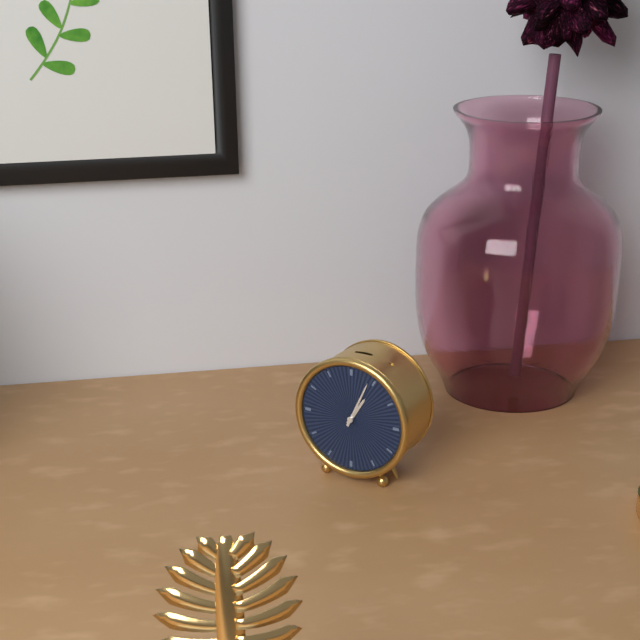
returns {"hour": 1, "minute": 4}
